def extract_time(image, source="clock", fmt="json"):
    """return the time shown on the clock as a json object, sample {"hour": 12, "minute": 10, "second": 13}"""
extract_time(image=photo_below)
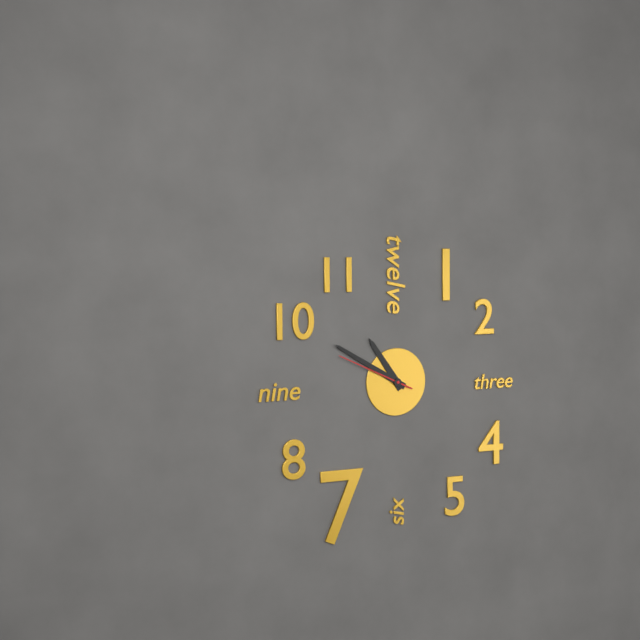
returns {"hour": 10, "minute": 50, "second": 49}
